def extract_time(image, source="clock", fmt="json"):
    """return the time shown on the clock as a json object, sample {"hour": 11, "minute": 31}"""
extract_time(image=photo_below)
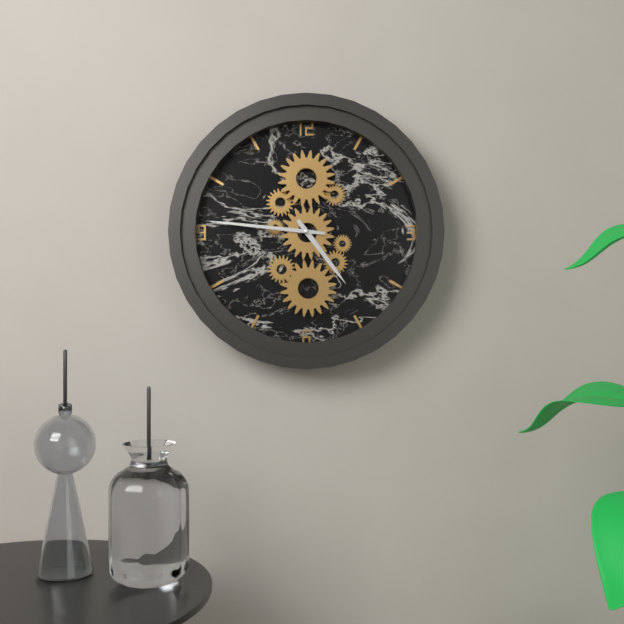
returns {"hour": 4, "minute": 46}
